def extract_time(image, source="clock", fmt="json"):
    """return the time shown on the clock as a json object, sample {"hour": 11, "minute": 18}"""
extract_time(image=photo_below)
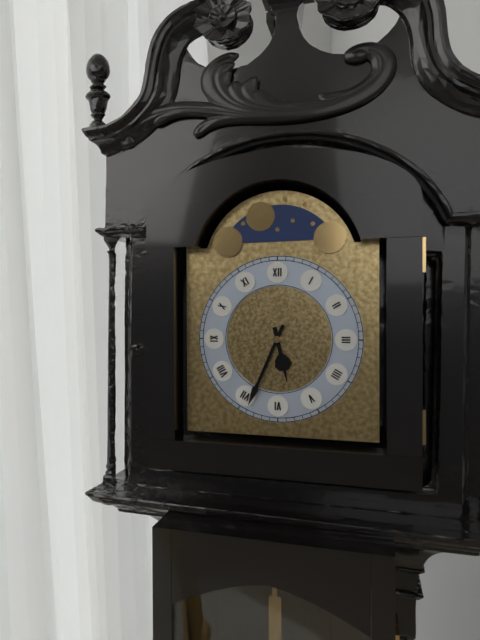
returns {"hour": 5, "minute": 34}
